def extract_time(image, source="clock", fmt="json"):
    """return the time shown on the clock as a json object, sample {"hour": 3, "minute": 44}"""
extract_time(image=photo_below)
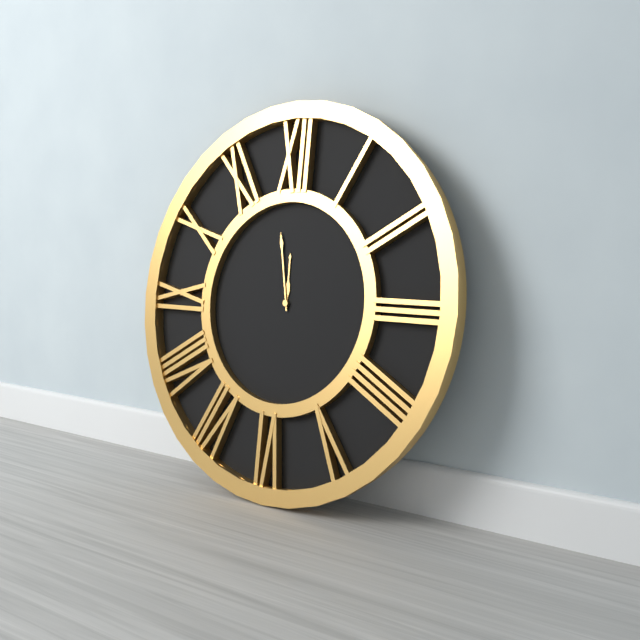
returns {"hour": 11, "minute": 58}
